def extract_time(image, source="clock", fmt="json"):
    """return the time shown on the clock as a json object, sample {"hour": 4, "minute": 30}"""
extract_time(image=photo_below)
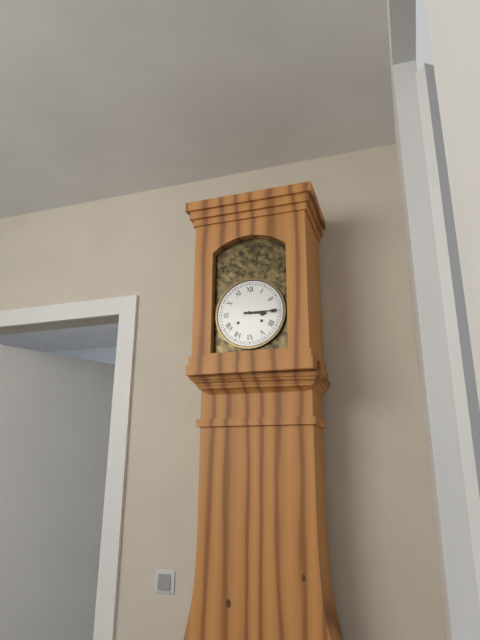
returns {"hour": 3, "minute": 15}
